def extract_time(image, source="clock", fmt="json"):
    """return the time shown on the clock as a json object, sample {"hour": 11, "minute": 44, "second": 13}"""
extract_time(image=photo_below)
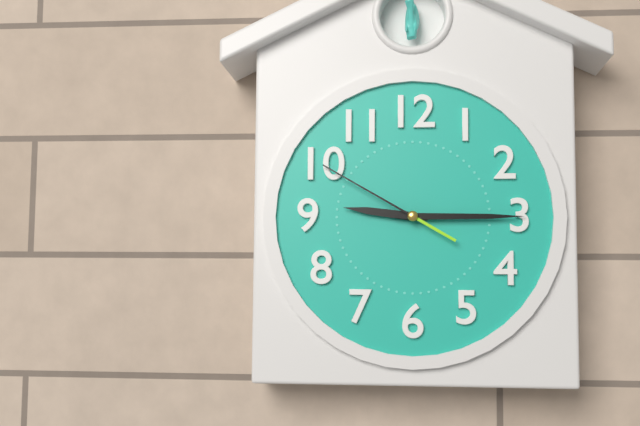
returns {"hour": 9, "minute": 15, "second": 50}
